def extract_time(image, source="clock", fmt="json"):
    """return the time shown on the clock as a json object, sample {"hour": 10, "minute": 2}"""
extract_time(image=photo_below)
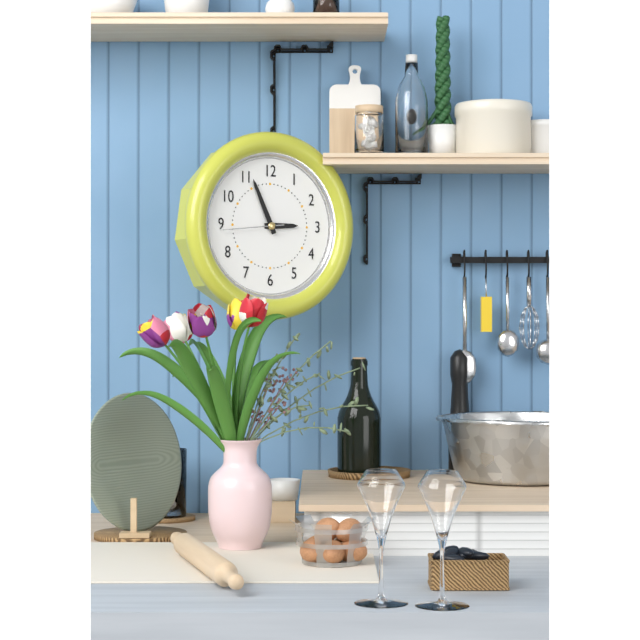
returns {"hour": 2, "minute": 56}
